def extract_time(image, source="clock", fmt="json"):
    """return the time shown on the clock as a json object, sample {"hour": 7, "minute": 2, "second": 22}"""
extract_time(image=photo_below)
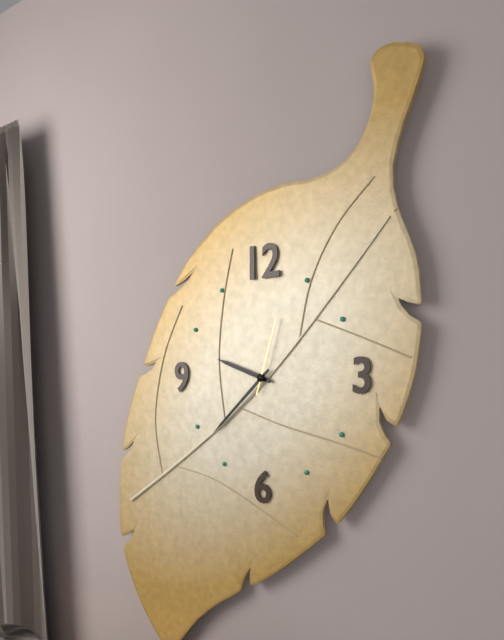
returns {"hour": 9, "minute": 38, "second": 3}
